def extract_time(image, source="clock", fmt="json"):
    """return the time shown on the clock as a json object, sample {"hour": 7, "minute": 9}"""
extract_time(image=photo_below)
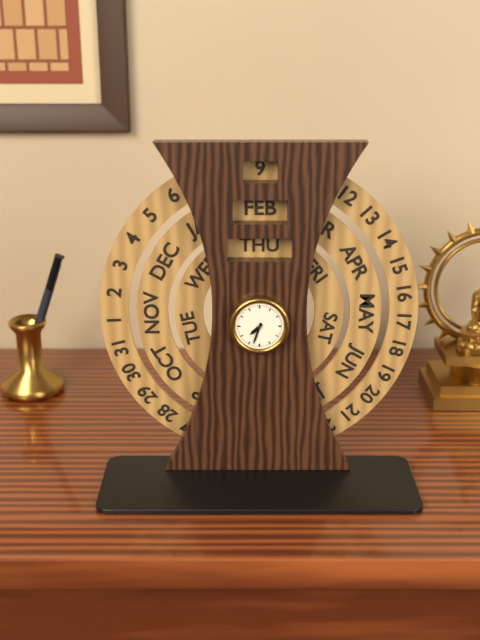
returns {"hour": 7, "minute": 33}
